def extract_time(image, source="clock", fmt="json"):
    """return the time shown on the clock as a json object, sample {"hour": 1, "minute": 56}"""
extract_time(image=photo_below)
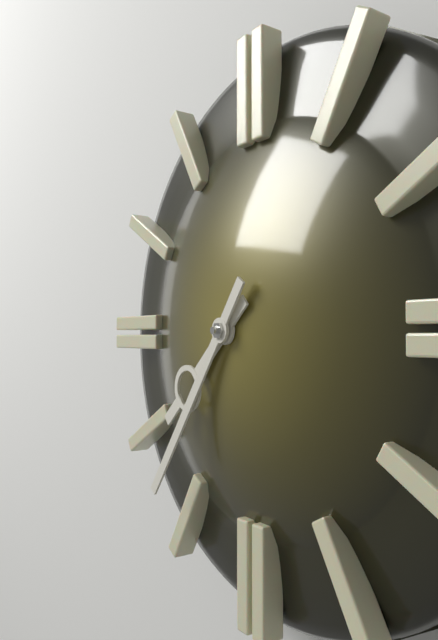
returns {"hour": 7, "minute": 36}
